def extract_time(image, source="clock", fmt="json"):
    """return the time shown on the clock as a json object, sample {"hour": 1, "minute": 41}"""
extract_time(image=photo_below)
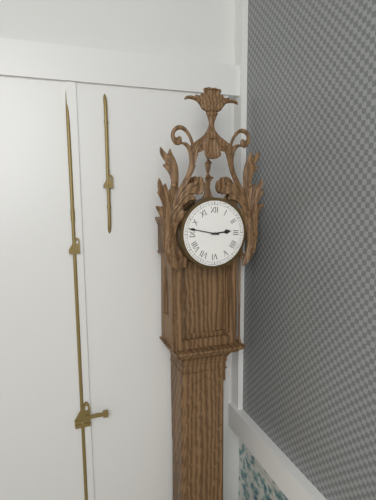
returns {"hour": 2, "minute": 47}
